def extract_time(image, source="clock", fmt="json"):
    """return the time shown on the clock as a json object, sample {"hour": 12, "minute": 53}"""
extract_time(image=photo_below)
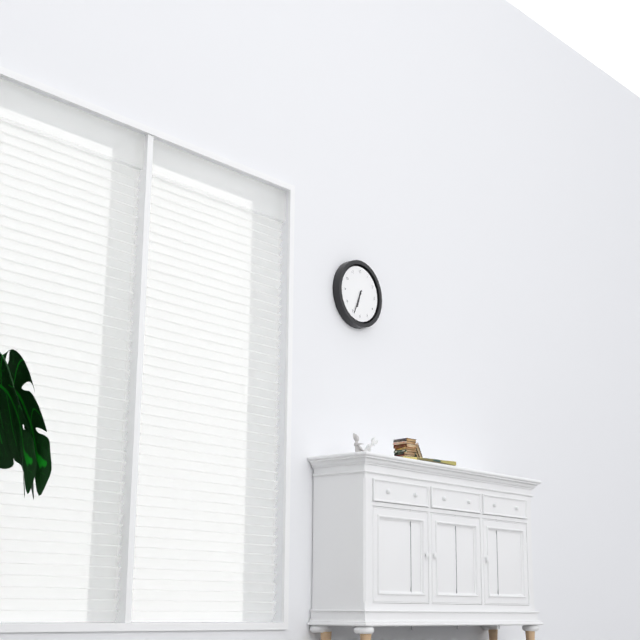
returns {"hour": 6, "minute": 34}
